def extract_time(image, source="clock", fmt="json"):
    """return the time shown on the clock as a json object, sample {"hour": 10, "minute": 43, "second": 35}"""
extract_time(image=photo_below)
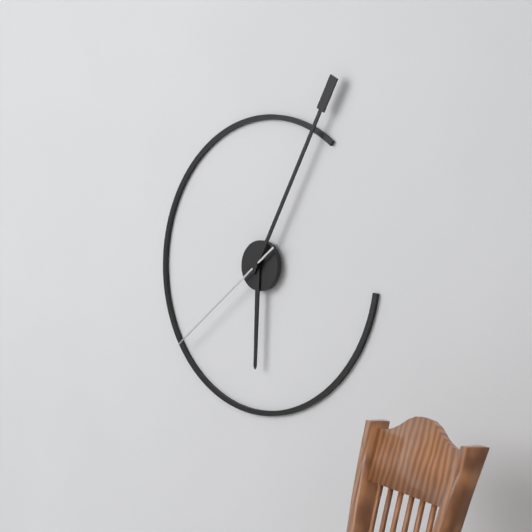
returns {"hour": 6, "minute": 5, "second": 39}
